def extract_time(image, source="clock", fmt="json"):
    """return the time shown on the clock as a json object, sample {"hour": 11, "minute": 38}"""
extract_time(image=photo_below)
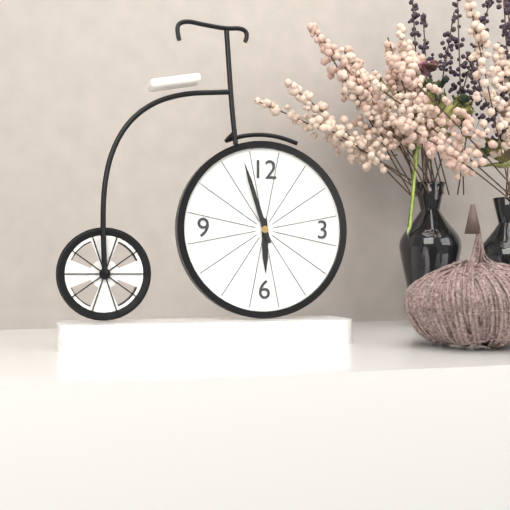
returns {"hour": 5, "minute": 57}
